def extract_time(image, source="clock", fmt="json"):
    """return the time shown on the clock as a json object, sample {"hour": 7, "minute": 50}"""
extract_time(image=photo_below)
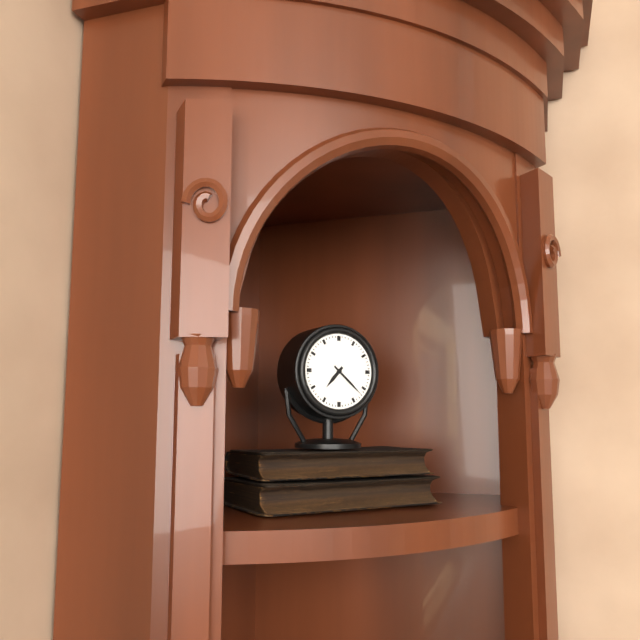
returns {"hour": 7, "minute": 22}
